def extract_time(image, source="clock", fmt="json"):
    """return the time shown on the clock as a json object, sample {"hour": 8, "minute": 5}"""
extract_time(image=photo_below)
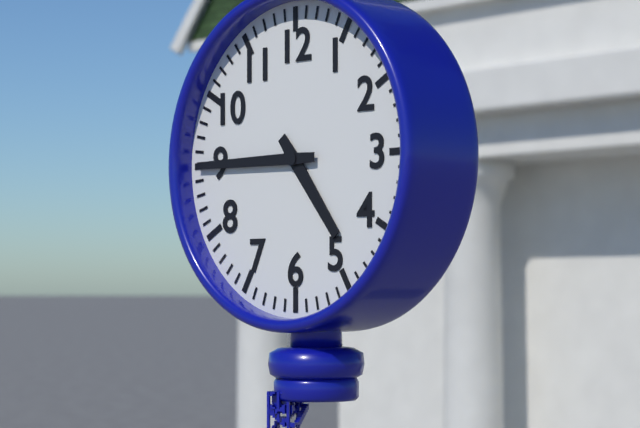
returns {"hour": 4, "minute": 45}
